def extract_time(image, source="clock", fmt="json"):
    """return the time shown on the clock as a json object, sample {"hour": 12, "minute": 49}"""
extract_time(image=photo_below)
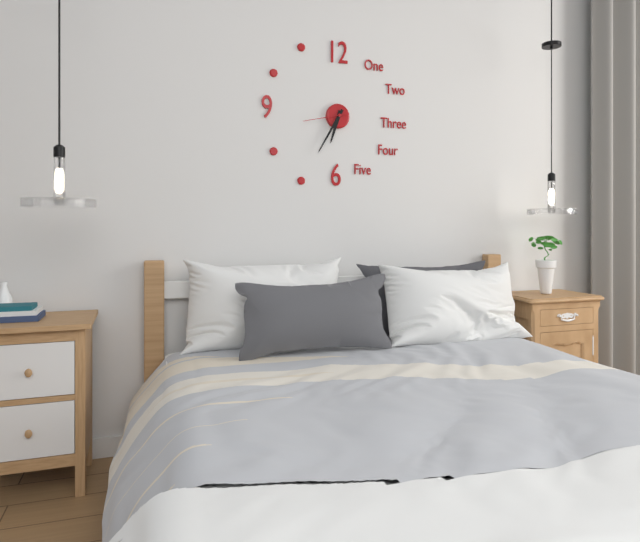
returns {"hour": 6, "minute": 35}
